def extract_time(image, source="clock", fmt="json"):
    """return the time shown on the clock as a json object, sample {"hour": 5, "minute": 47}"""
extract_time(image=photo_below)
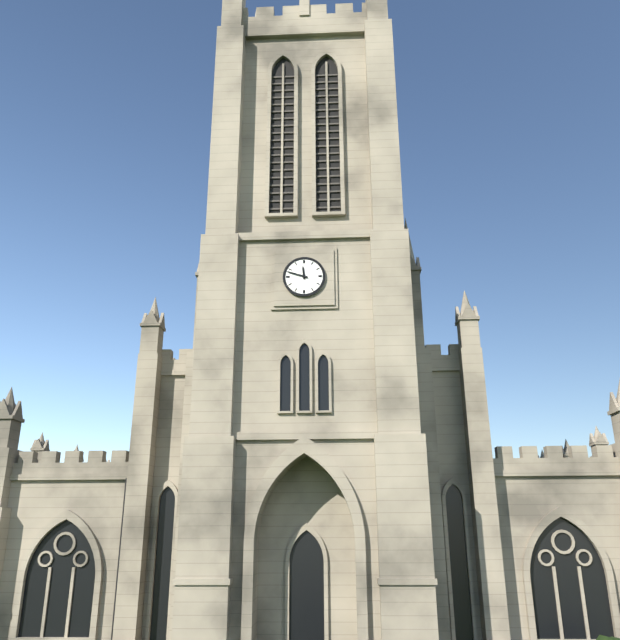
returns {"hour": 11, "minute": 48}
